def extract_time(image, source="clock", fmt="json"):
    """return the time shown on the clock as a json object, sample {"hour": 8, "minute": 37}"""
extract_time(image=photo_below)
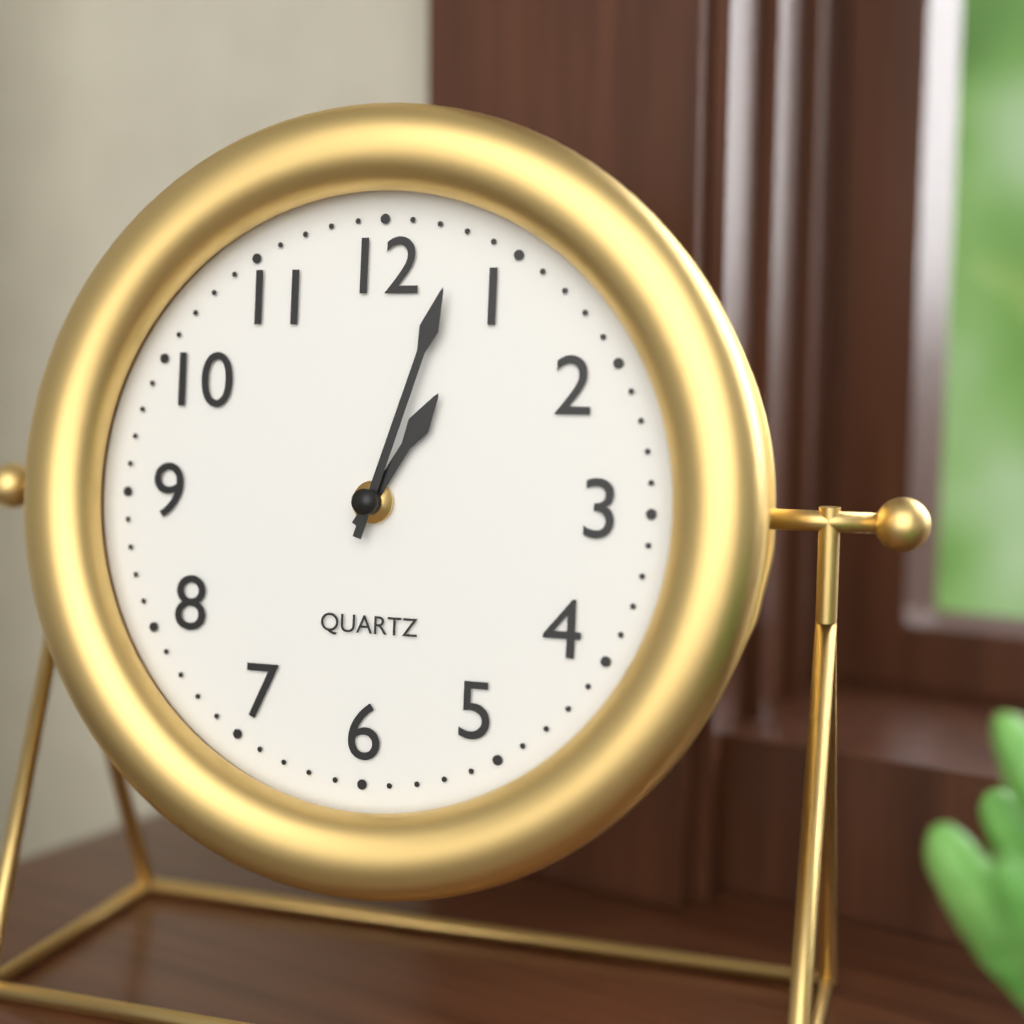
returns {"hour": 1, "minute": 3}
